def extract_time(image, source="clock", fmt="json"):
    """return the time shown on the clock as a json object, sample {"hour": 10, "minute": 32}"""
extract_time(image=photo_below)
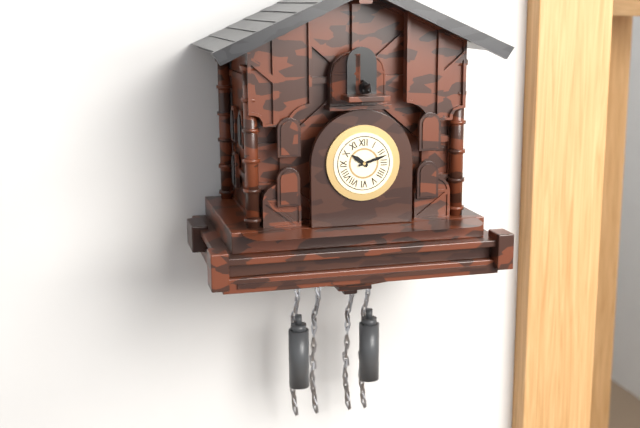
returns {"hour": 10, "minute": 12}
